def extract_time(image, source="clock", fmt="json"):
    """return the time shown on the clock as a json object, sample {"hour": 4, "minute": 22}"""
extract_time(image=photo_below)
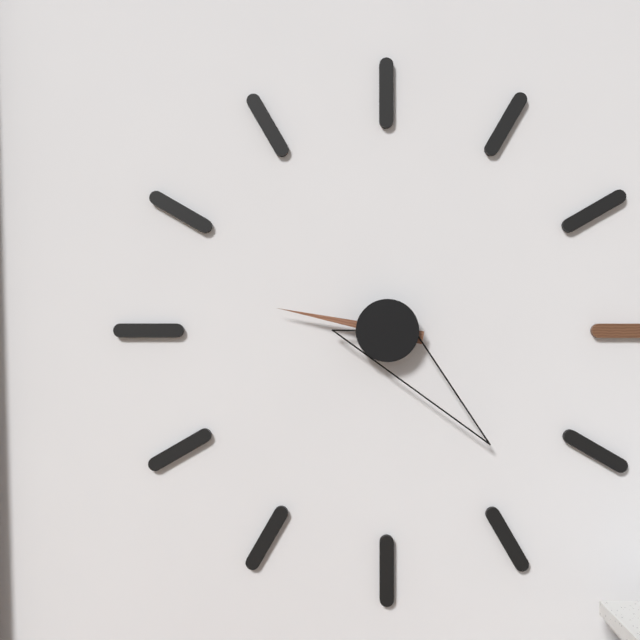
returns {"hour": 9, "minute": 23}
